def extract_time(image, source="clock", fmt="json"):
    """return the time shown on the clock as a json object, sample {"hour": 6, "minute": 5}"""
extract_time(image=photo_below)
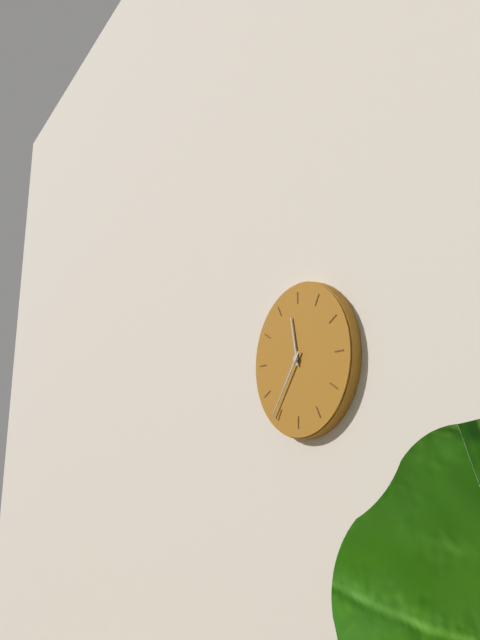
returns {"hour": 11, "minute": 36}
